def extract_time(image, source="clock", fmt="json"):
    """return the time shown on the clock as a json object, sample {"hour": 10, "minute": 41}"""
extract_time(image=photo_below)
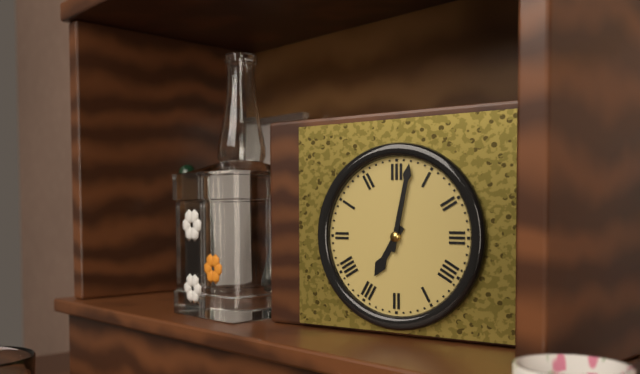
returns {"hour": 7, "minute": 2}
